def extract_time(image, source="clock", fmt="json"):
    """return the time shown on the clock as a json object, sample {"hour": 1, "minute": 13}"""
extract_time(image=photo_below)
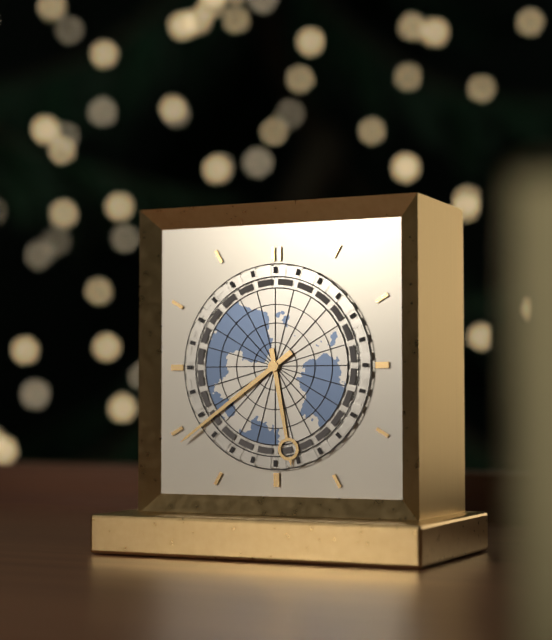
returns {"hour": 5, "minute": 39}
